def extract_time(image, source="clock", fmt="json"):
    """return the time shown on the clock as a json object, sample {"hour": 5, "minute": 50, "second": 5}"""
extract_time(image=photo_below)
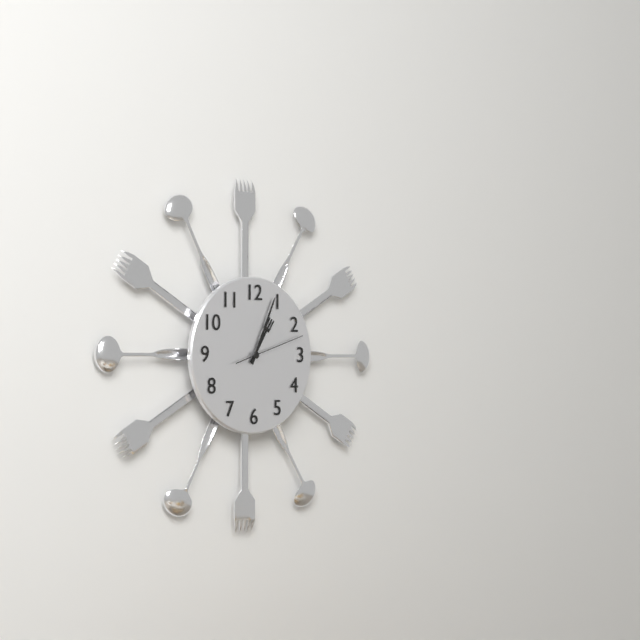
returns {"hour": 1, "minute": 4, "second": 12}
